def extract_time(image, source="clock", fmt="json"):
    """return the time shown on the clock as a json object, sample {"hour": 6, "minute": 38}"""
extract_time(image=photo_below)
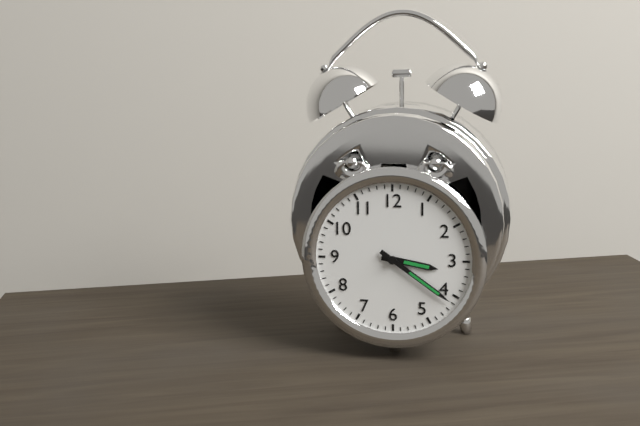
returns {"hour": 3, "minute": 21}
